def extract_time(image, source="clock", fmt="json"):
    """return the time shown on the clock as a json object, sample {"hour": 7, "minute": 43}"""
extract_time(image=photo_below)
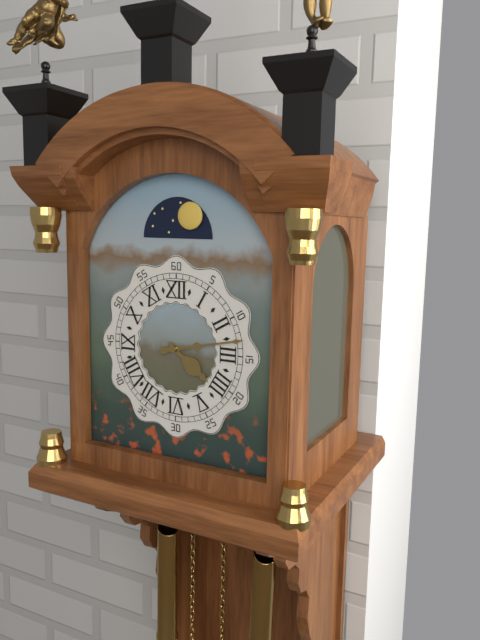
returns {"hour": 4, "minute": 13}
